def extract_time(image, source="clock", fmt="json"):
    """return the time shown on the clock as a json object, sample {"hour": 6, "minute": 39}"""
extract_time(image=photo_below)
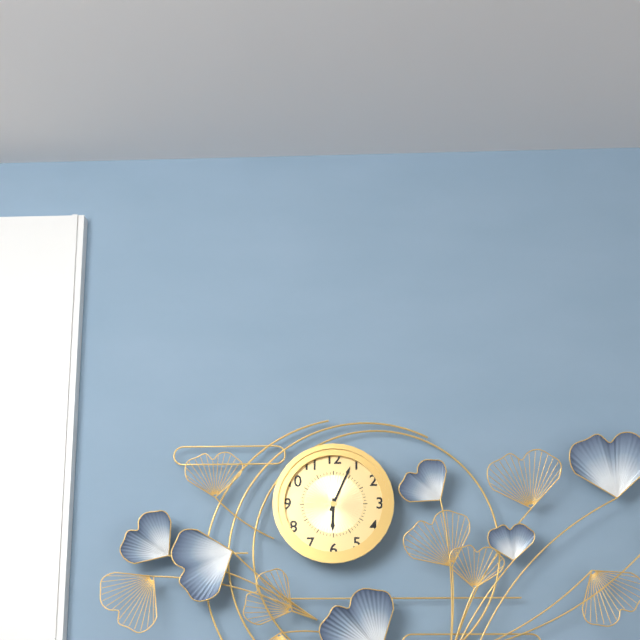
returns {"hour": 6, "minute": 4}
